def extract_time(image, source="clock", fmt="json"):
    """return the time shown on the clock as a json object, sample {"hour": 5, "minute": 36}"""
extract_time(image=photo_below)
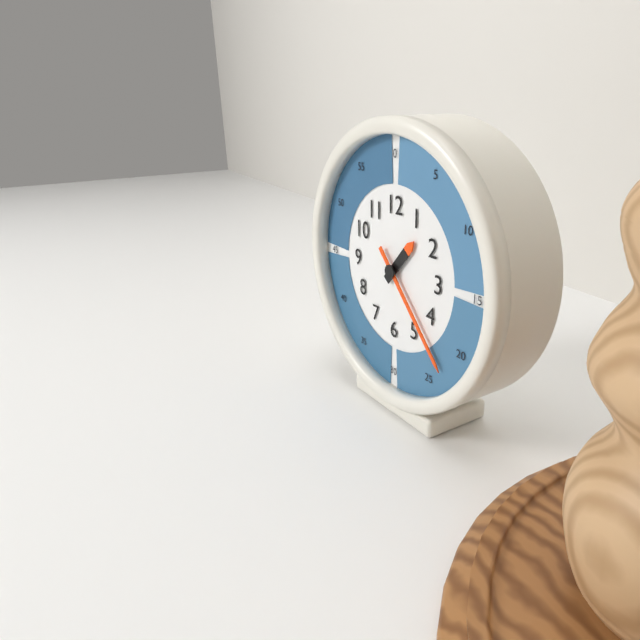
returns {"hour": 1, "minute": 23}
